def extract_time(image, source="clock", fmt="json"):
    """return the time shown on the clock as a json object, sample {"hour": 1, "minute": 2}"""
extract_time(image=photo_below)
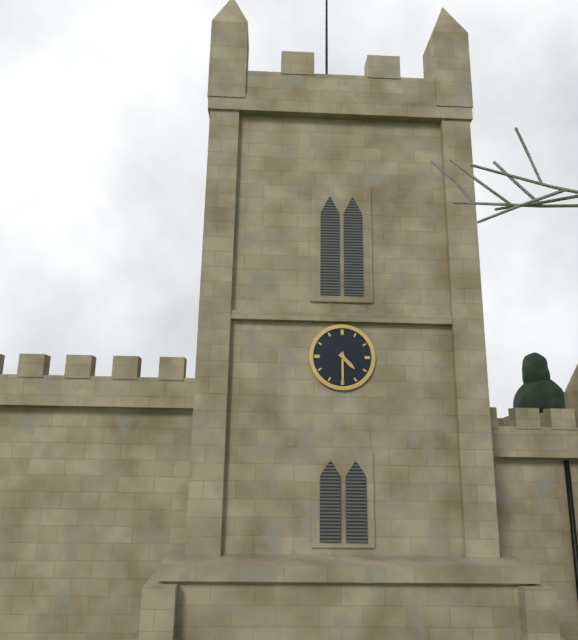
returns {"hour": 4, "minute": 30}
